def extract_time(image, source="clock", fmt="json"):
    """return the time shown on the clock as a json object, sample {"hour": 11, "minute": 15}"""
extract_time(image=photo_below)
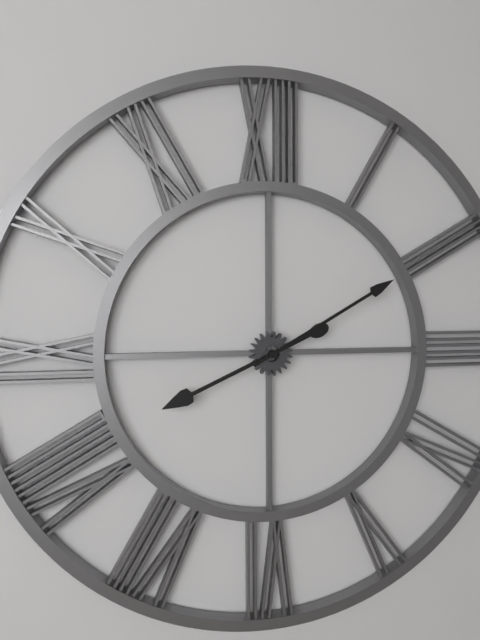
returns {"hour": 8, "minute": 10}
